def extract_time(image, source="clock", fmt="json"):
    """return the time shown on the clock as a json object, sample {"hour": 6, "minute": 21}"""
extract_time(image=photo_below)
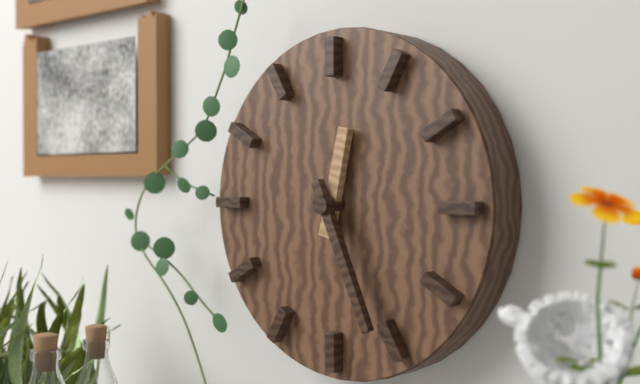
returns {"hour": 12, "minute": 26}
